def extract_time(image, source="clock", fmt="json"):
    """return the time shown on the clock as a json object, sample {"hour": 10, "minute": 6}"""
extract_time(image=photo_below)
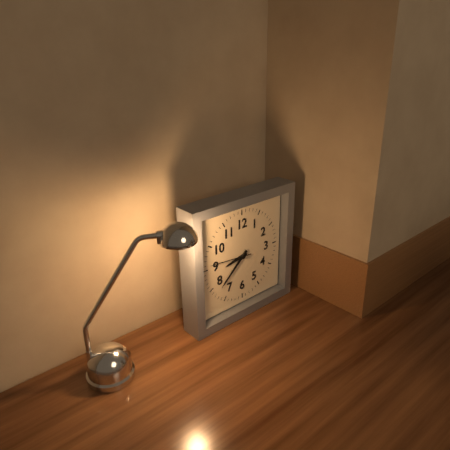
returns {"hour": 8, "minute": 38}
